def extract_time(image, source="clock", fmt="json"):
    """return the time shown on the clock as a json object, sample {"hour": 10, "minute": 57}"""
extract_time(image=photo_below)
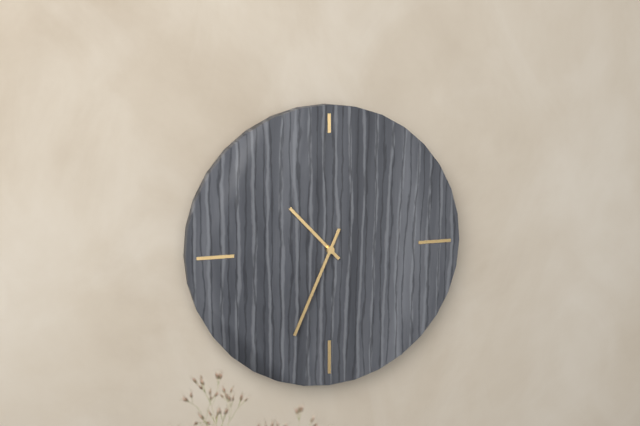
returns {"hour": 10, "minute": 34}
